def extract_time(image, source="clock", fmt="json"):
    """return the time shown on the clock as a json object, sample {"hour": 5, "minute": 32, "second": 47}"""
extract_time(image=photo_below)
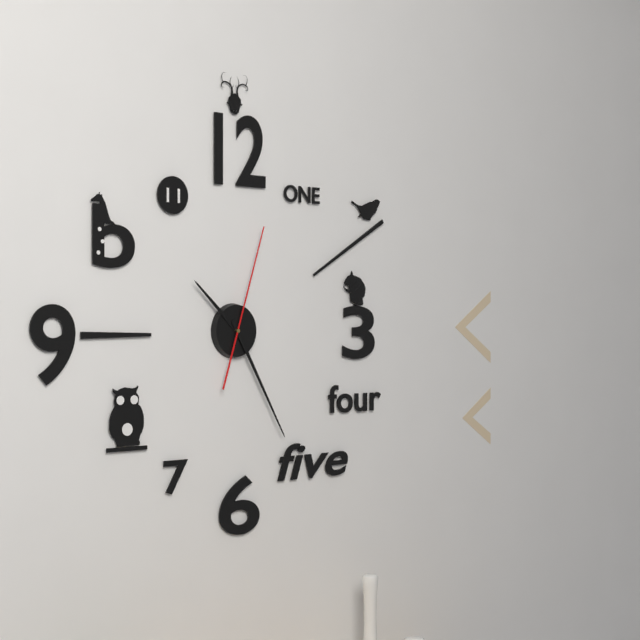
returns {"hour": 10, "minute": 25, "second": 3}
